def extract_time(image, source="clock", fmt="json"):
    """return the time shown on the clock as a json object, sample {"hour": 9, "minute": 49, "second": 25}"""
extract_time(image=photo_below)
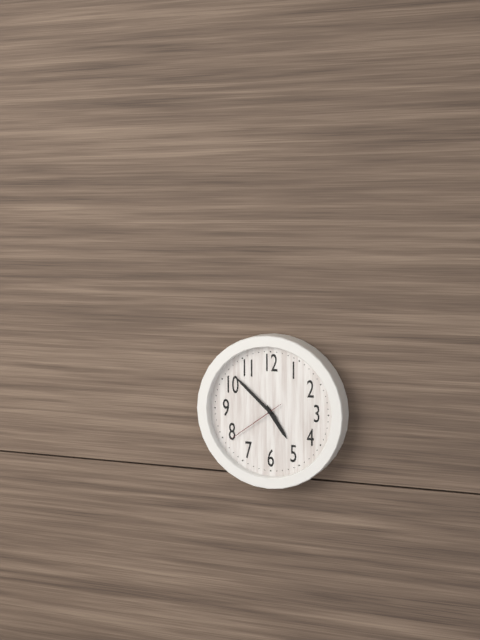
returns {"hour": 4, "minute": 52, "second": 39}
